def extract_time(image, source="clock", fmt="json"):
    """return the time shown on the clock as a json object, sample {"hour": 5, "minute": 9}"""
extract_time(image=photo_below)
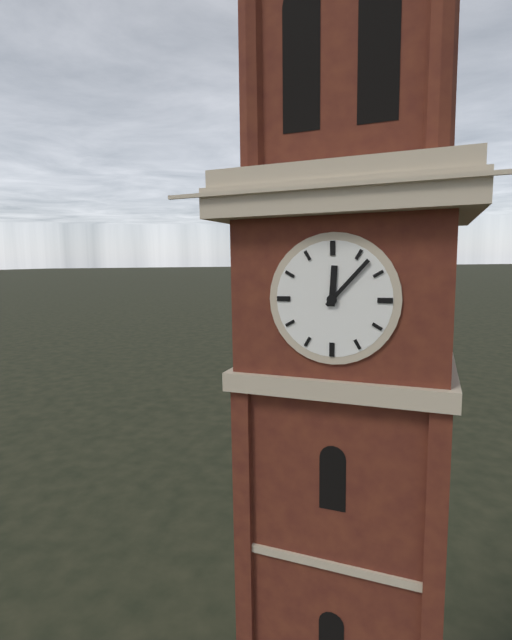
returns {"hour": 12, "minute": 7}
